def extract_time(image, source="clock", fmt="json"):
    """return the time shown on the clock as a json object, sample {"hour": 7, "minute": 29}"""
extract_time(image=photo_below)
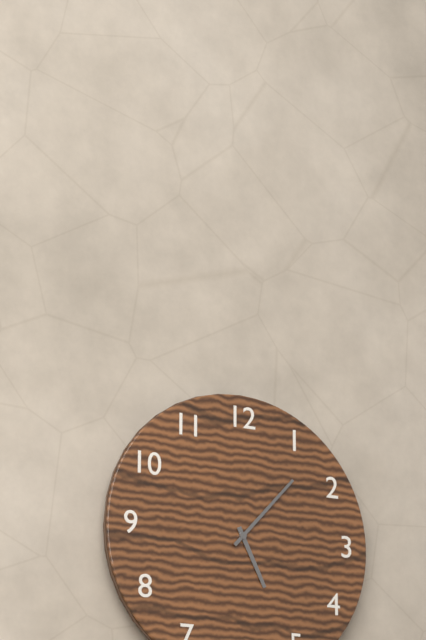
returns {"hour": 5, "minute": 7}
